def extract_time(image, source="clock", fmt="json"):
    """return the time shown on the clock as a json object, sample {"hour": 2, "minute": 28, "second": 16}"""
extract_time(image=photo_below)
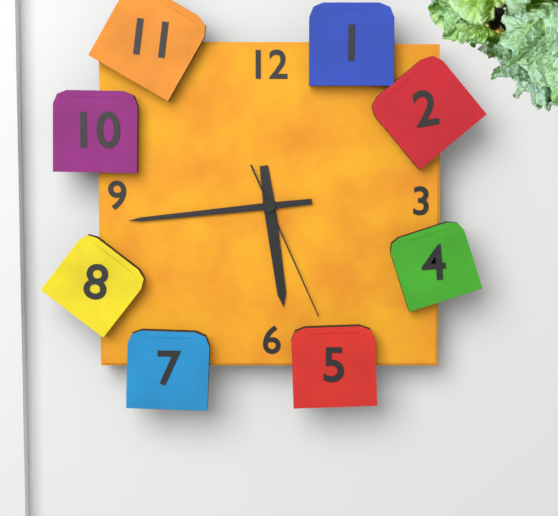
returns {"hour": 5, "minute": 44, "second": 26}
